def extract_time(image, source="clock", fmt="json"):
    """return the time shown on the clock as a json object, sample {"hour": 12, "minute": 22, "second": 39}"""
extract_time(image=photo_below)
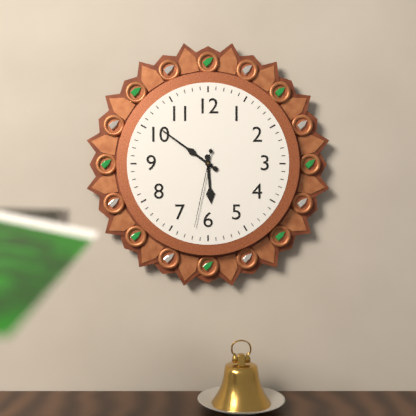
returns {"hour": 5, "minute": 51, "second": 32}
